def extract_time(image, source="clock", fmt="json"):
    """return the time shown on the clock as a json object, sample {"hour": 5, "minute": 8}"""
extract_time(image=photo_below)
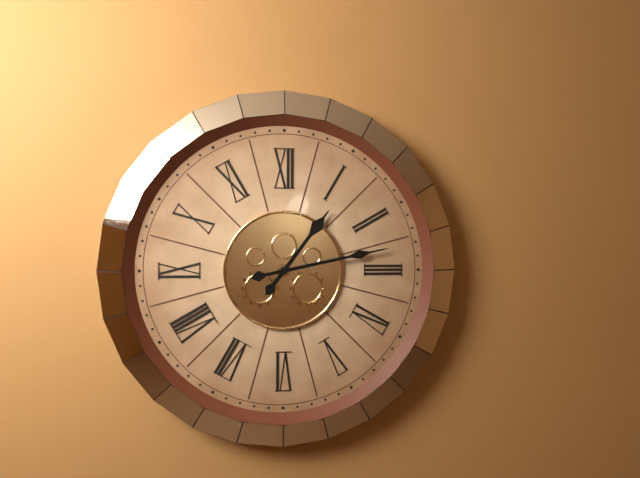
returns {"hour": 1, "minute": 13}
